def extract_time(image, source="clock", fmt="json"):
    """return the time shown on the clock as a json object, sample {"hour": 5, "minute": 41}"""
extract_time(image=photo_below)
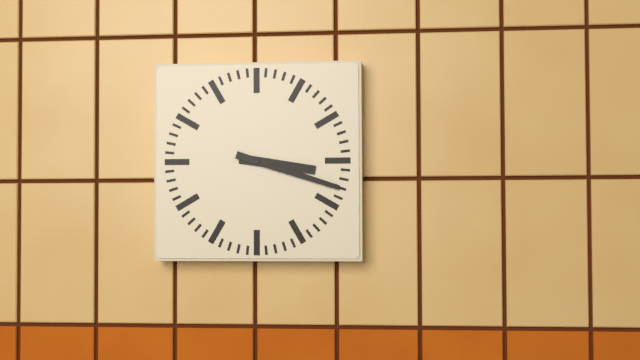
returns {"hour": 3, "minute": 18}
